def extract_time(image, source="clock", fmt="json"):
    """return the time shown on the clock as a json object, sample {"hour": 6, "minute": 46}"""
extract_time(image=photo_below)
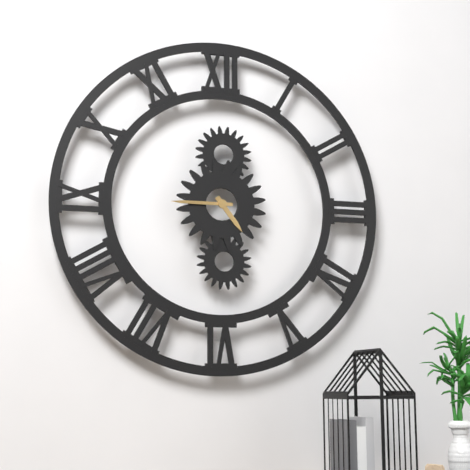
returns {"hour": 4, "minute": 45}
